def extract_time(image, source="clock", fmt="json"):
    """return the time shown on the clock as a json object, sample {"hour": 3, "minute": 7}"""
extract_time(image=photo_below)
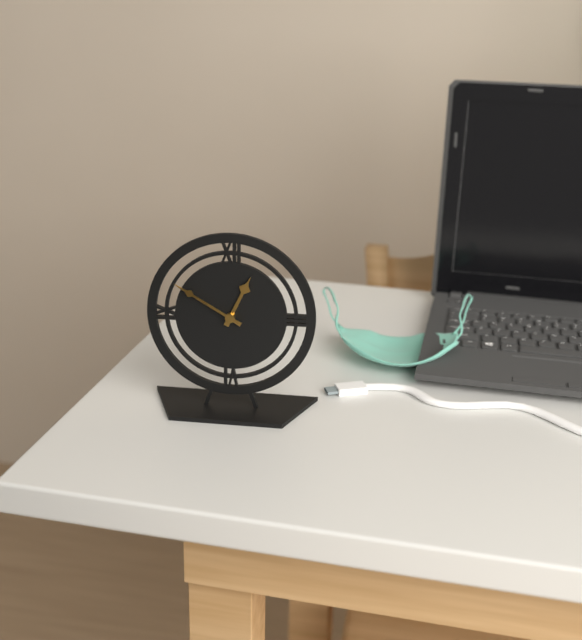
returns {"hour": 12, "minute": 50}
